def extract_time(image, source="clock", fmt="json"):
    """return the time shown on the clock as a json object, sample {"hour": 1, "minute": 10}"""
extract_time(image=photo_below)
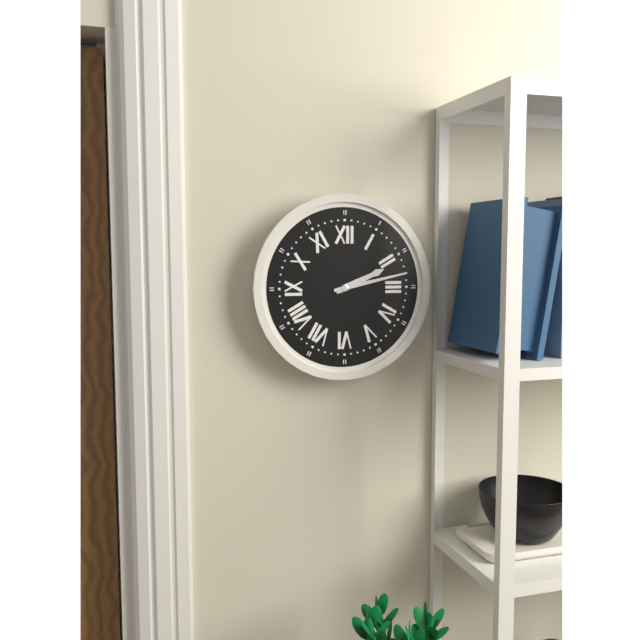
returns {"hour": 2, "minute": 13}
